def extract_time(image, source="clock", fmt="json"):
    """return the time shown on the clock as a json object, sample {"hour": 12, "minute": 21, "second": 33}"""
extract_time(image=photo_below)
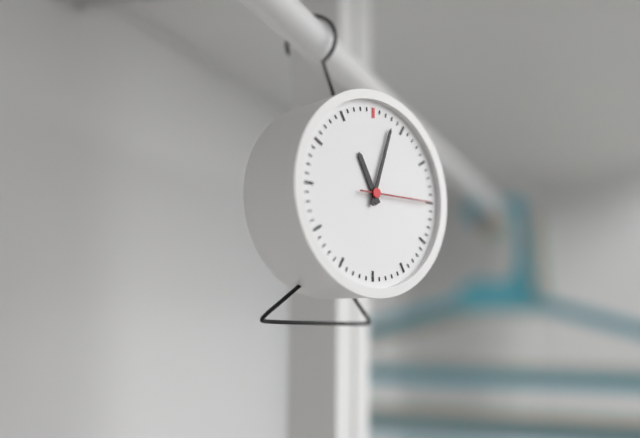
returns {"hour": 11, "minute": 3, "second": 15}
